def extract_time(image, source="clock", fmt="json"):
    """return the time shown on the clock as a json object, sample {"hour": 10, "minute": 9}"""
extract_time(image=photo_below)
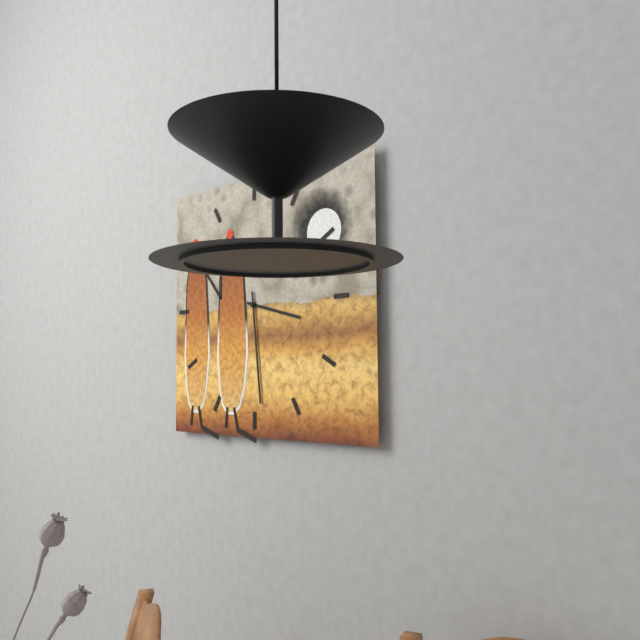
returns {"hour": 3, "minute": 29}
